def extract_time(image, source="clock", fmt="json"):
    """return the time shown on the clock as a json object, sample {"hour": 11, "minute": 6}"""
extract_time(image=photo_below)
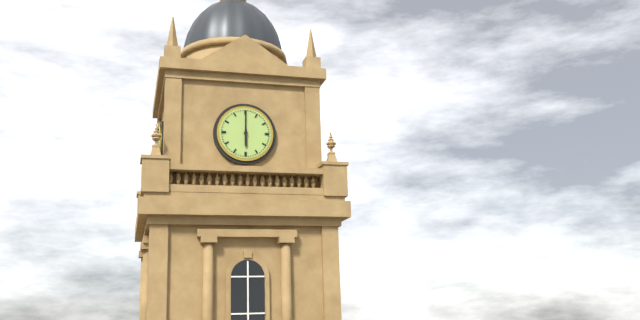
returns {"hour": 6, "minute": 0}
